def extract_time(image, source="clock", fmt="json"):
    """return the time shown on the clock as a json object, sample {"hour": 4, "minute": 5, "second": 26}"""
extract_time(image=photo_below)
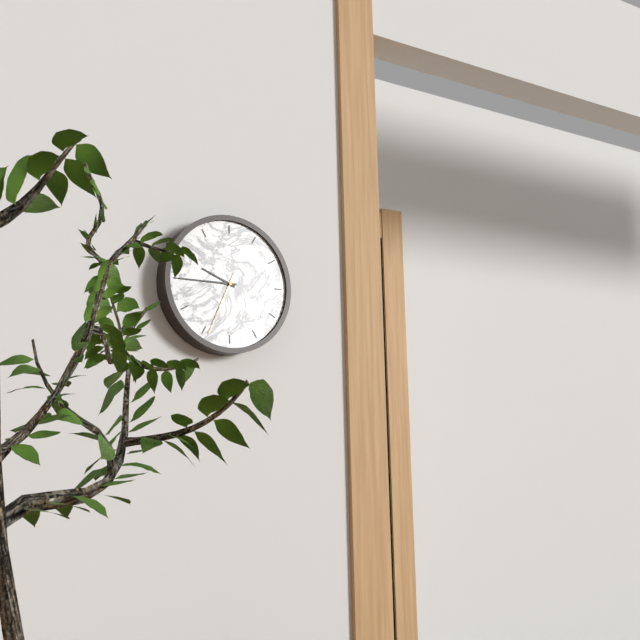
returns {"hour": 9, "minute": 45, "second": 34}
